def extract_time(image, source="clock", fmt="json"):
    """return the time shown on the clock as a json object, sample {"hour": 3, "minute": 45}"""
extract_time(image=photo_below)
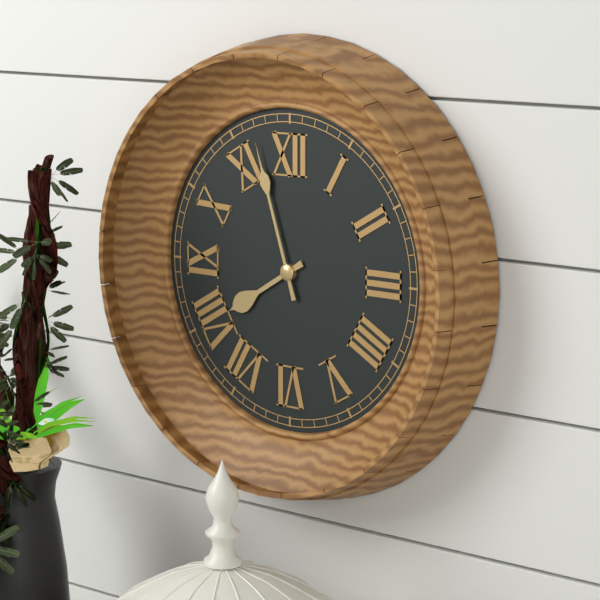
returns {"hour": 7, "minute": 57}
